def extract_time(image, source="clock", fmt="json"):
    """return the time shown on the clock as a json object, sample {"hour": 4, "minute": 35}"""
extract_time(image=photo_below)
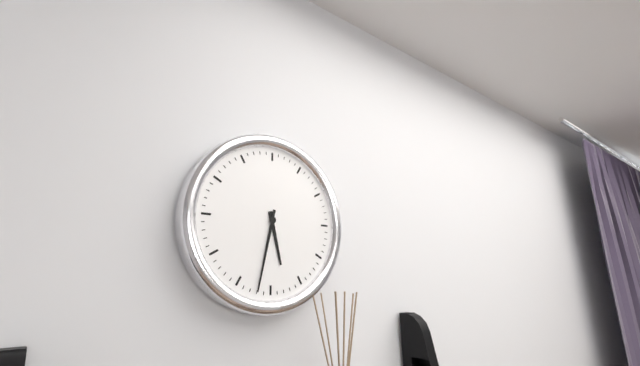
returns {"hour": 5, "minute": 32}
